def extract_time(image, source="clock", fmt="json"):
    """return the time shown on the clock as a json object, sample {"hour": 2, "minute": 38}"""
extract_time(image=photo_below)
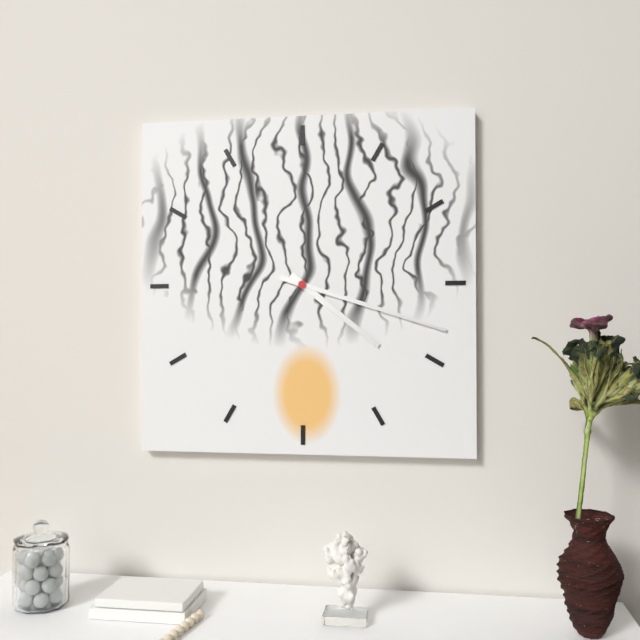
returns {"hour": 4, "minute": 18}
